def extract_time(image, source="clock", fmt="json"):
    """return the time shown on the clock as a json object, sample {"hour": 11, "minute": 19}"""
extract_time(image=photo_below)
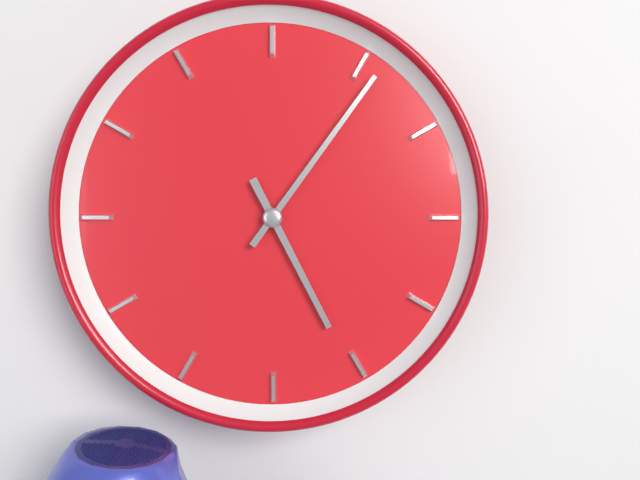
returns {"hour": 5, "minute": 6}
